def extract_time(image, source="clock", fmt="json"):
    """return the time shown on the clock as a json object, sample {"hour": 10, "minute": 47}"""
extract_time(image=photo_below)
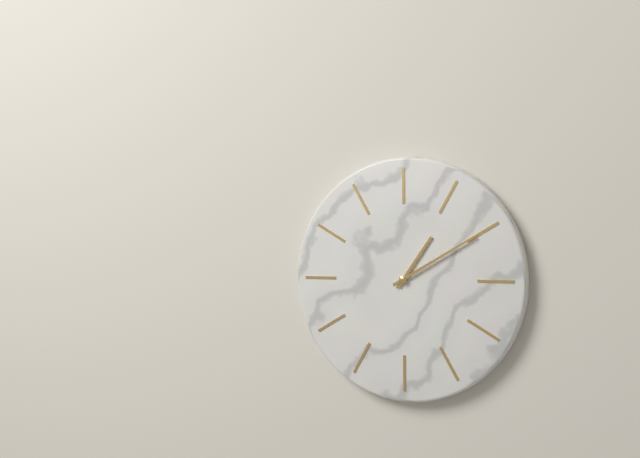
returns {"hour": 1, "minute": 10}
